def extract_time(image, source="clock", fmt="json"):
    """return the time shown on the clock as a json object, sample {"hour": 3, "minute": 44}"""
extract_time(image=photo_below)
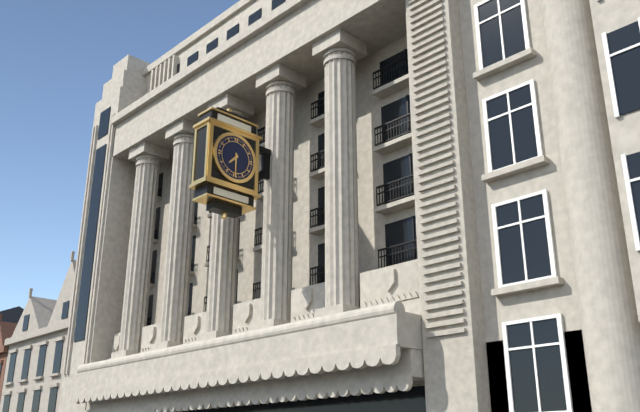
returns {"hour": 7, "minute": 30}
